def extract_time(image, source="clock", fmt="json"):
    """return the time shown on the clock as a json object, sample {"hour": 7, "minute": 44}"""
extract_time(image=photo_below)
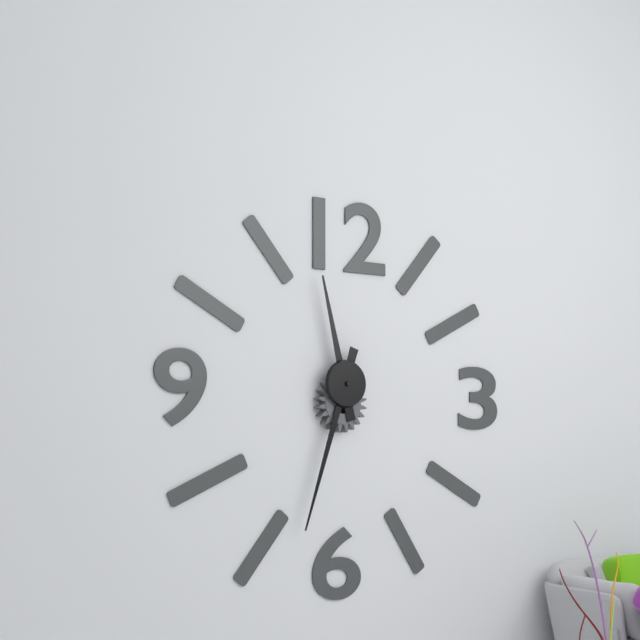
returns {"hour": 11, "minute": 33}
